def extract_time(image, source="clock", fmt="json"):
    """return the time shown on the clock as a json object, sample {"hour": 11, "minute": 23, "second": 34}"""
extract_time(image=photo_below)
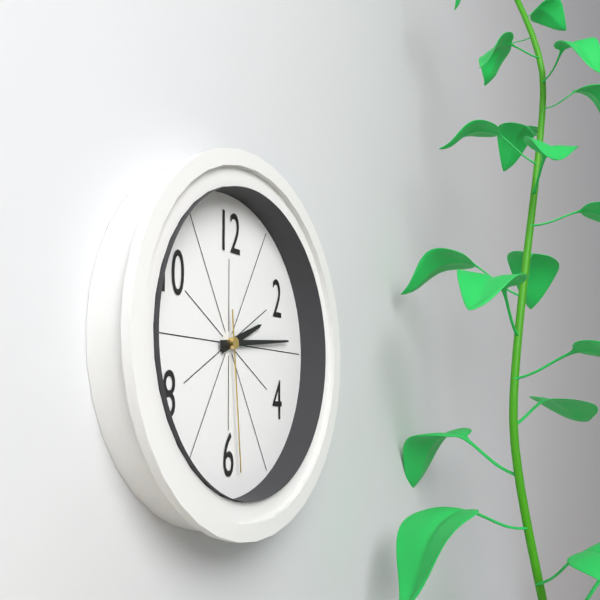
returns {"hour": 2, "minute": 14, "second": 29}
